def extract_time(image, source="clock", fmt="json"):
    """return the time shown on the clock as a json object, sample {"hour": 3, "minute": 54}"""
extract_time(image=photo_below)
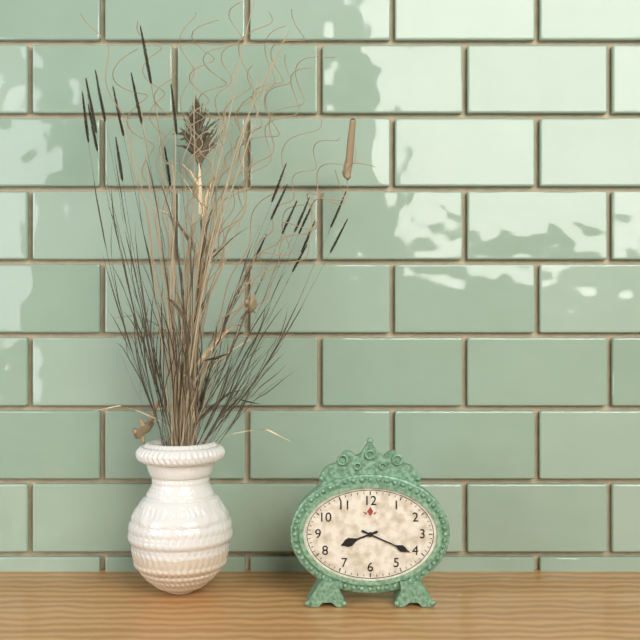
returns {"hour": 8, "minute": 19}
